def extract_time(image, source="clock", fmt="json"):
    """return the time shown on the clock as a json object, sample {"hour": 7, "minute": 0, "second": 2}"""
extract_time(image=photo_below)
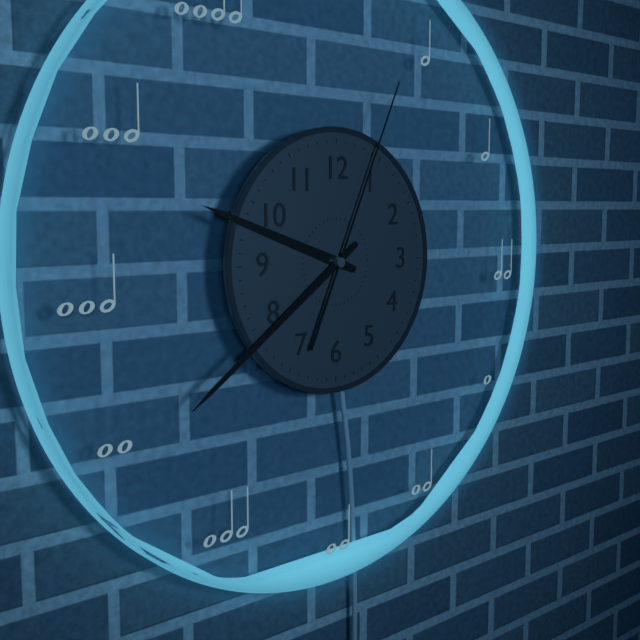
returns {"hour": 9, "minute": 39, "second": 4}
